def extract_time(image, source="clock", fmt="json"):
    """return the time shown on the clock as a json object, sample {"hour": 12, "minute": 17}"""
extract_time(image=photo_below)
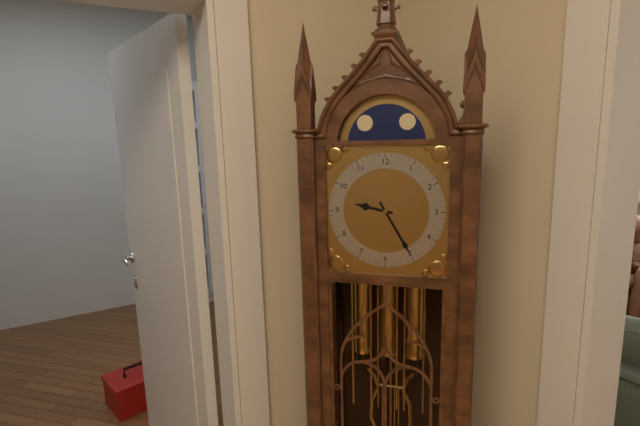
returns {"hour": 9, "minute": 25}
